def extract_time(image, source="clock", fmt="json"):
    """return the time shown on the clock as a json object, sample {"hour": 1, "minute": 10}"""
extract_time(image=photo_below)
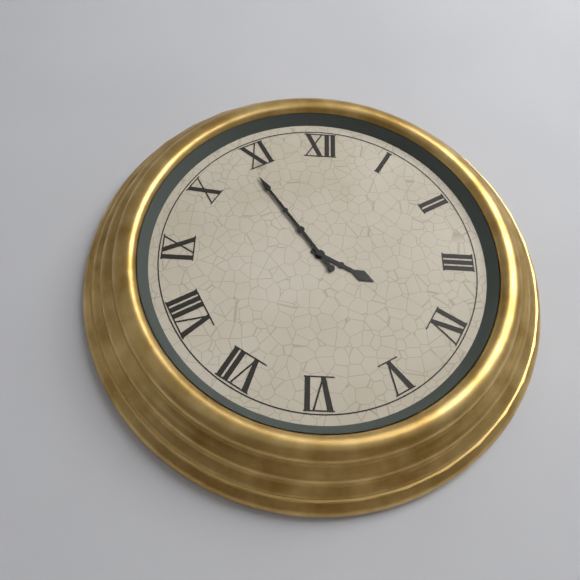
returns {"hour": 3, "minute": 54}
